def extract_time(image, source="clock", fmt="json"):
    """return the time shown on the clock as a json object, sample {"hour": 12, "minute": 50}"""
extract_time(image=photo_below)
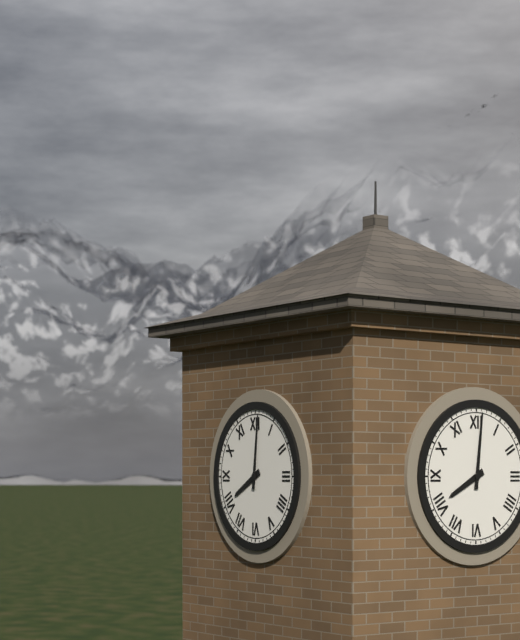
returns {"hour": 8, "minute": 1}
